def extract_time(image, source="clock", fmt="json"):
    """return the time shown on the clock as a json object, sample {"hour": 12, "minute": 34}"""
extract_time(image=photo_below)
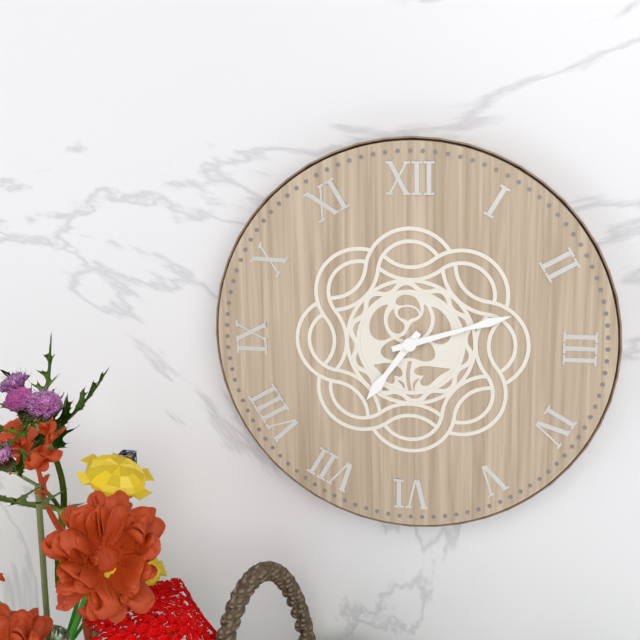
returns {"hour": 7, "minute": 12}
